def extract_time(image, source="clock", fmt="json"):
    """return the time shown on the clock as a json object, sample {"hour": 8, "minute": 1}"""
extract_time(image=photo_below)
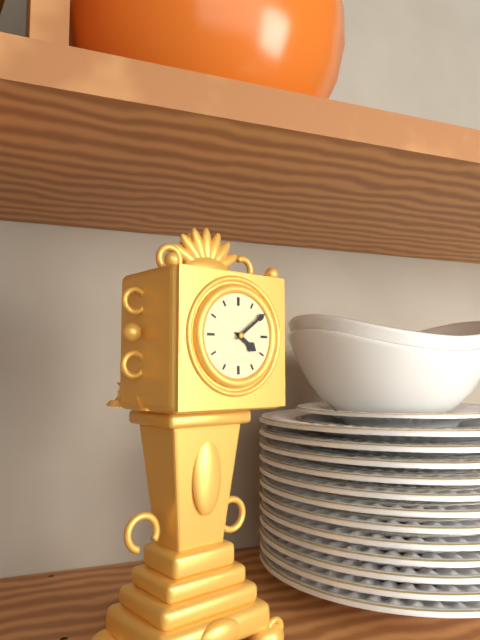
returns {"hour": 4, "minute": 9}
